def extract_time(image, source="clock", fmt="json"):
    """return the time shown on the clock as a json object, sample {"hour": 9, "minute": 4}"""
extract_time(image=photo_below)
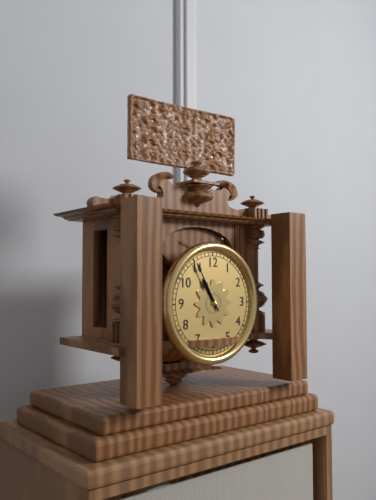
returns {"hour": 10, "minute": 55}
